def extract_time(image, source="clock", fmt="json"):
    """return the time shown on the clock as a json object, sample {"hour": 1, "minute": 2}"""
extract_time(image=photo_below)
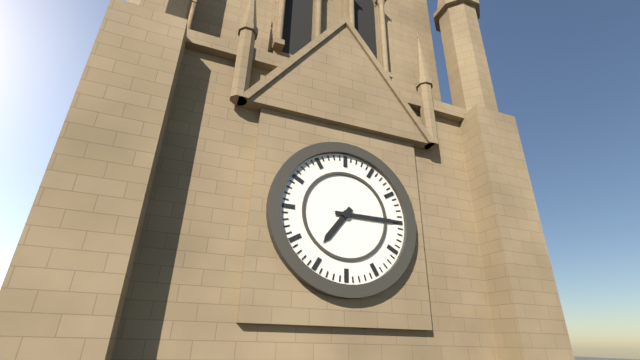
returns {"hour": 7, "minute": 15}
